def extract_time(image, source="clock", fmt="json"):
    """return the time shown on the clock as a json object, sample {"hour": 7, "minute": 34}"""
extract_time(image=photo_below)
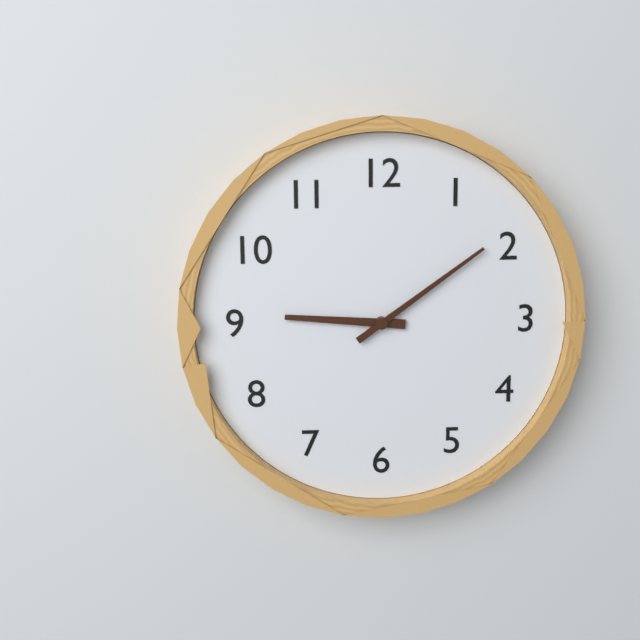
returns {"hour": 9, "minute": 9}
